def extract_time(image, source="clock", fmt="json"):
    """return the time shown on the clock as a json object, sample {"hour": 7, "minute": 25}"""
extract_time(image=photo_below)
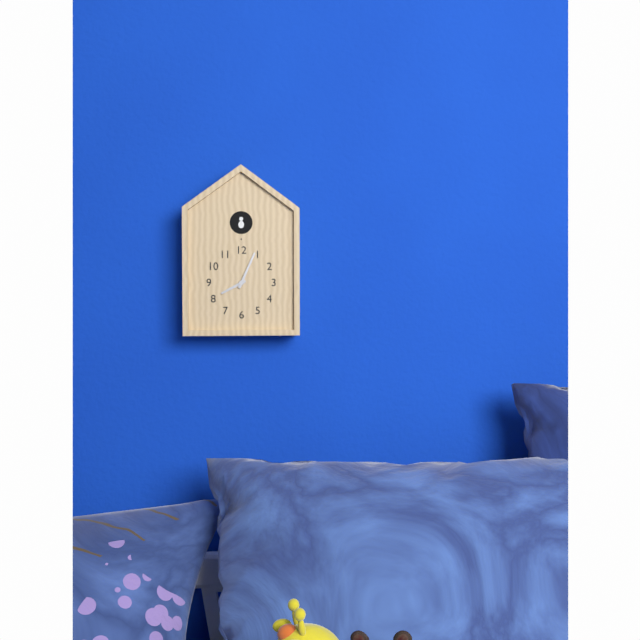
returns {"hour": 8, "minute": 4}
